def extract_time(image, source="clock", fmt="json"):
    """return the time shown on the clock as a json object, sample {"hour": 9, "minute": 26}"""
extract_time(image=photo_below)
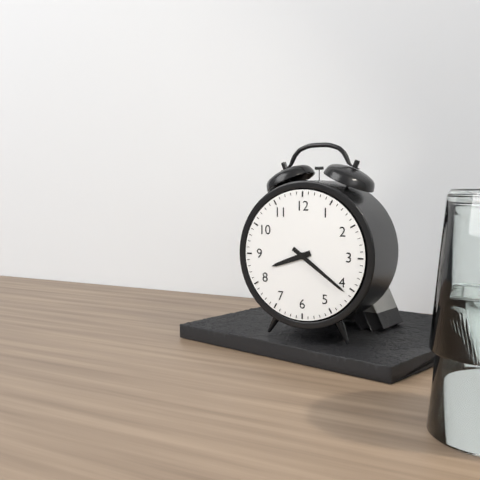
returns {"hour": 8, "minute": 21}
